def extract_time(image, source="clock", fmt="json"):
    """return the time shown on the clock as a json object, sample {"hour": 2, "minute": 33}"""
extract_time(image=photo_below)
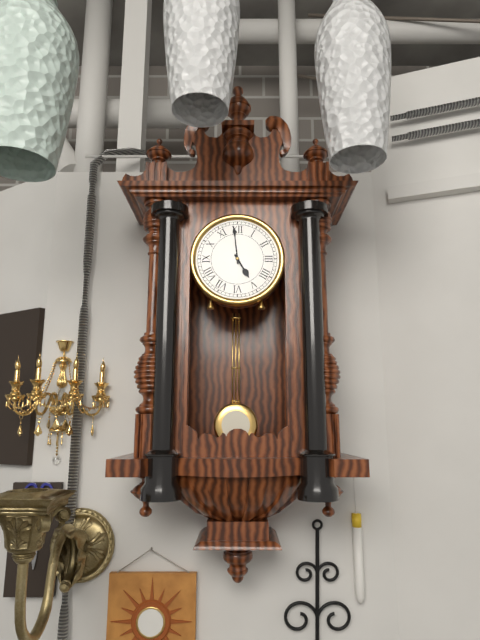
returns {"hour": 4, "minute": 59}
